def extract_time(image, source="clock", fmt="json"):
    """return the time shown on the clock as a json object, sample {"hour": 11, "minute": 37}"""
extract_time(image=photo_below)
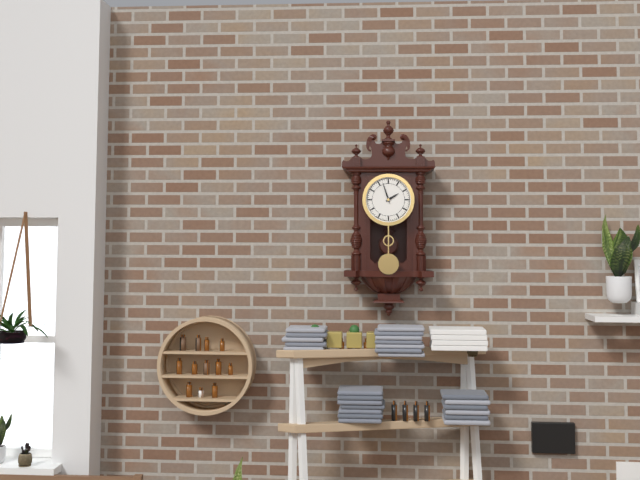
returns {"hour": 1, "minute": 57}
